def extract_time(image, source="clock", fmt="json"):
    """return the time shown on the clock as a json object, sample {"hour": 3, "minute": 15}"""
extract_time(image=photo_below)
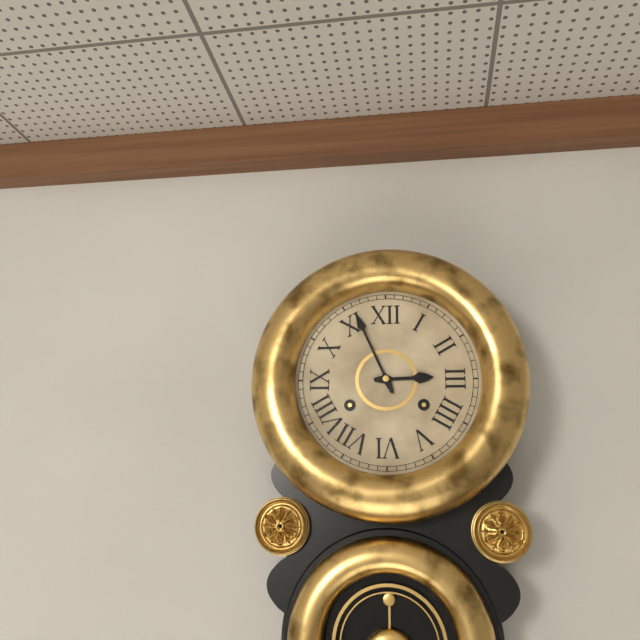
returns {"hour": 2, "minute": 56}
